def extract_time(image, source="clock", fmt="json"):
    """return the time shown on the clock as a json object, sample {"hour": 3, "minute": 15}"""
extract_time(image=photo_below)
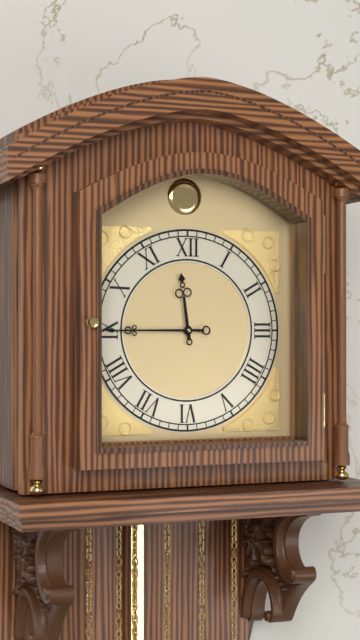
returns {"hour": 11, "minute": 45}
